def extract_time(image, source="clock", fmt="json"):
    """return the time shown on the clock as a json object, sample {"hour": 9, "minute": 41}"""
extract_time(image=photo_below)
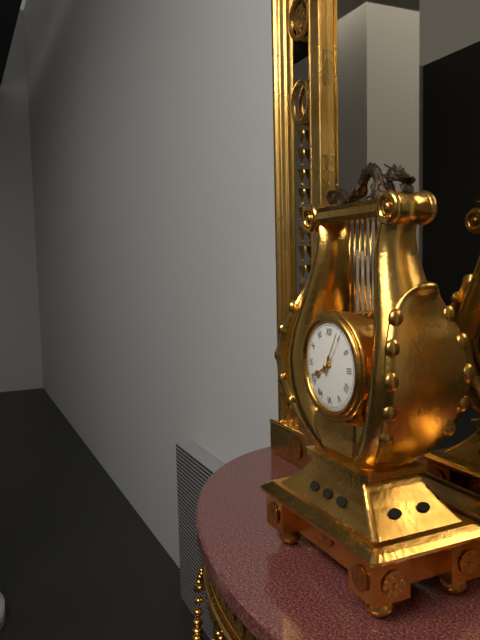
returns {"hour": 8, "minute": 5}
